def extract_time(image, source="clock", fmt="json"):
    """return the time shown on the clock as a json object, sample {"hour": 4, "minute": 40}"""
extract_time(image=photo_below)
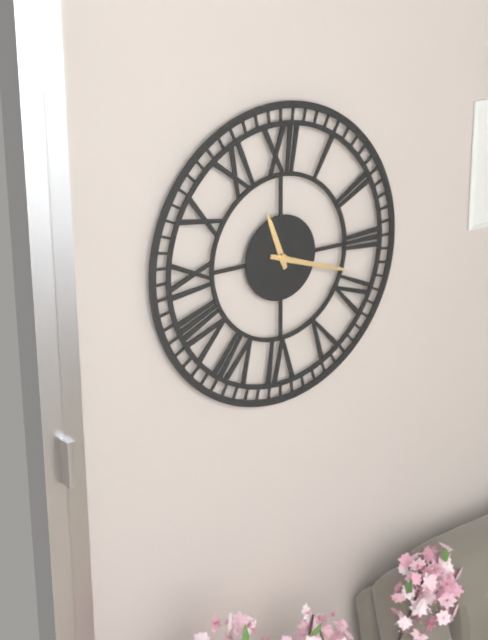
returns {"hour": 11, "minute": 18}
